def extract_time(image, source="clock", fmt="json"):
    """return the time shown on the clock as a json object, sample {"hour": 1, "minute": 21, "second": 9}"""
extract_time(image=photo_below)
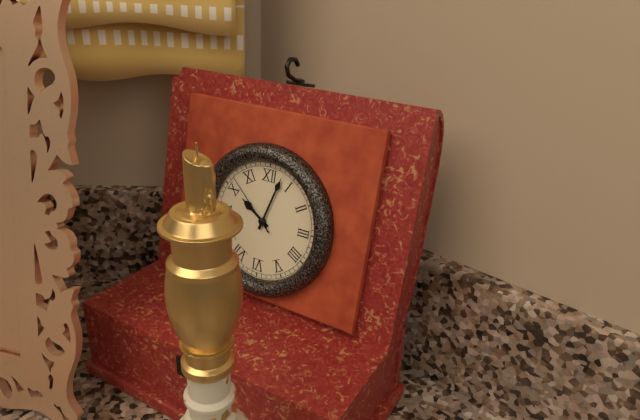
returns {"hour": 10, "minute": 3, "second": 52}
